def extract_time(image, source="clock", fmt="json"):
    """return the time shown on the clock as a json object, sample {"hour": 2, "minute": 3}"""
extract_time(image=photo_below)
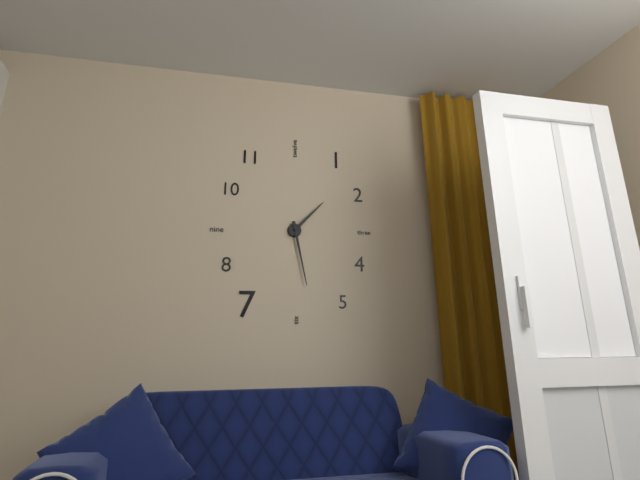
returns {"hour": 1, "minute": 28}
